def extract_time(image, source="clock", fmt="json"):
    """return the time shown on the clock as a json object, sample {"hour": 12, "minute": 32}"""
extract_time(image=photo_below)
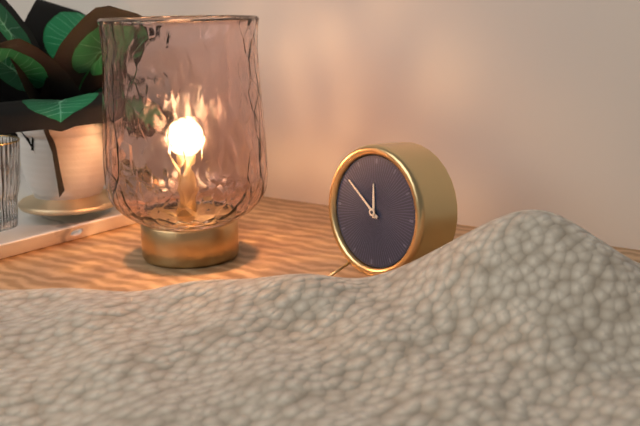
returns {"hour": 11, "minute": 51}
